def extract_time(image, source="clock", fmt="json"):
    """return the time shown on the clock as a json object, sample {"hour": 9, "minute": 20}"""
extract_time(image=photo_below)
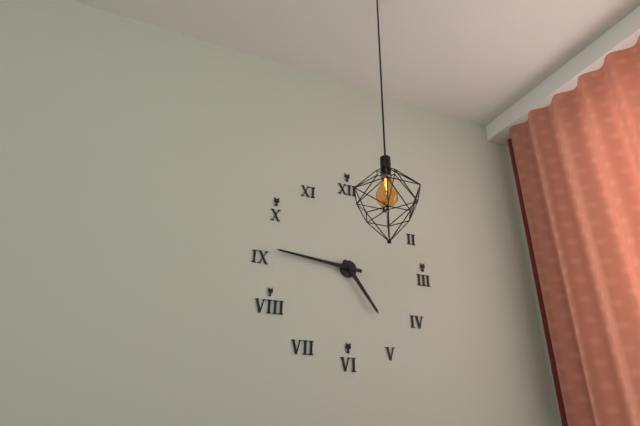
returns {"hour": 4, "minute": 46}
